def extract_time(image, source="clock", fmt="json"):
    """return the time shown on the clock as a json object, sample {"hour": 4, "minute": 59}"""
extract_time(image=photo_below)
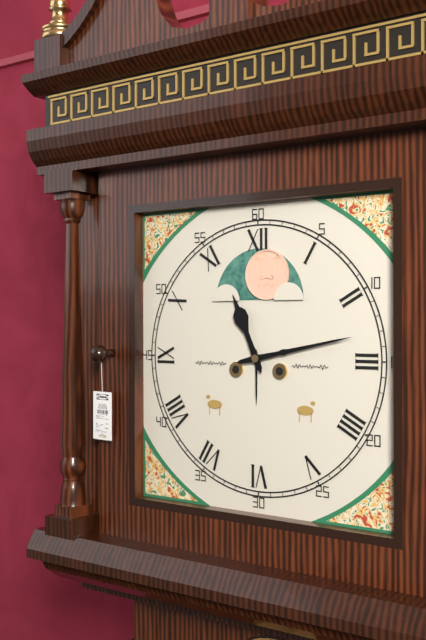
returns {"hour": 11, "minute": 13}
